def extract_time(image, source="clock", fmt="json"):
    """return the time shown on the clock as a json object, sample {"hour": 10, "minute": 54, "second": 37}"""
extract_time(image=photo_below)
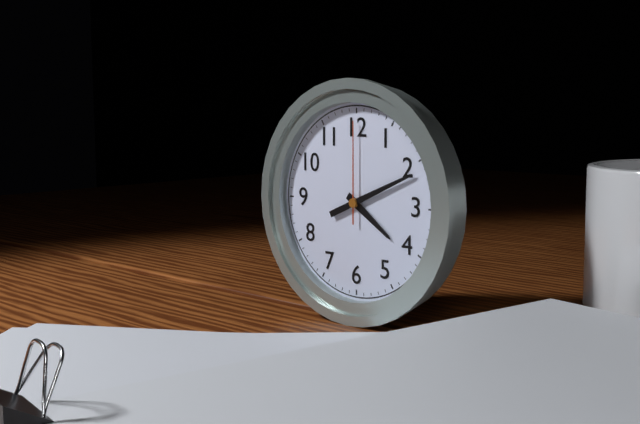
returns {"hour": 4, "minute": 11, "second": 0}
